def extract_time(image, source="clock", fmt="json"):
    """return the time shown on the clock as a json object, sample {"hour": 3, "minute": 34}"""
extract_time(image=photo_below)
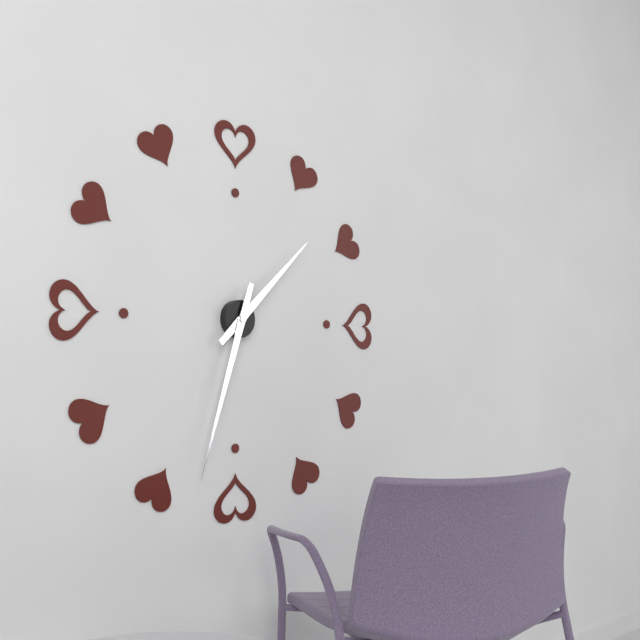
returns {"hour": 1, "minute": 33}
